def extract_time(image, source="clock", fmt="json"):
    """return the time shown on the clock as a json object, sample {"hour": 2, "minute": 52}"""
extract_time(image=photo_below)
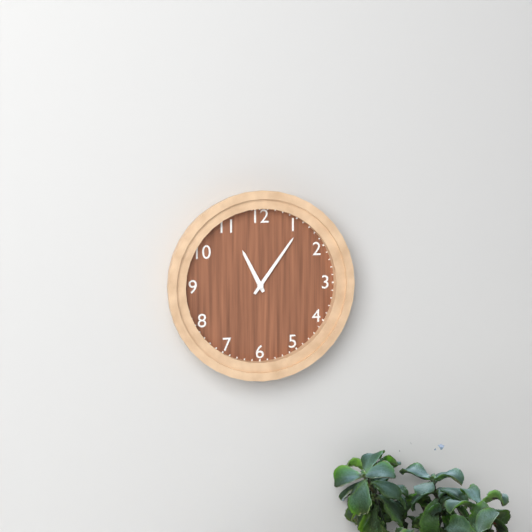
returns {"hour": 11, "minute": 6}
